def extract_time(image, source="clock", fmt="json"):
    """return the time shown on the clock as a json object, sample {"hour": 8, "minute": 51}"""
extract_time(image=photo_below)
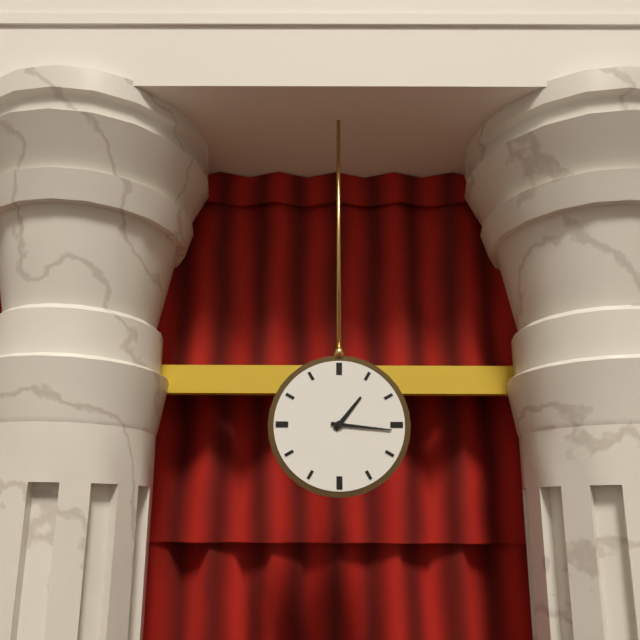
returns {"hour": 1, "minute": 16}
